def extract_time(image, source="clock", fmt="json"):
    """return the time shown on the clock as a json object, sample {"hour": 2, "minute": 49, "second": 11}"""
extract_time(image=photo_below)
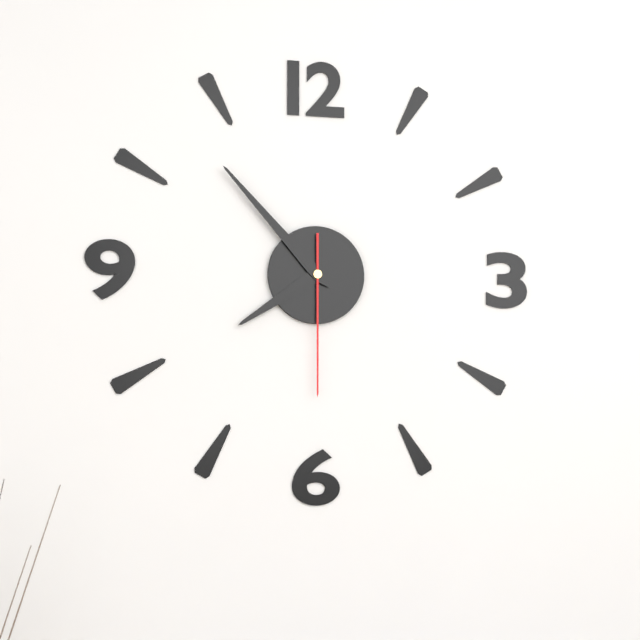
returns {"hour": 7, "minute": 53, "second": 30}
